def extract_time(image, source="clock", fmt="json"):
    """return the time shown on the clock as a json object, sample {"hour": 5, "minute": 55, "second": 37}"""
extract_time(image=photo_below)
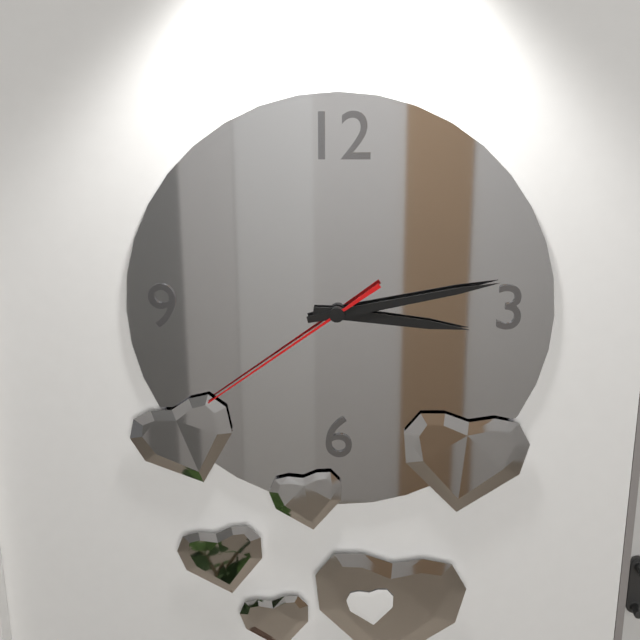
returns {"hour": 3, "minute": 13, "second": 39}
